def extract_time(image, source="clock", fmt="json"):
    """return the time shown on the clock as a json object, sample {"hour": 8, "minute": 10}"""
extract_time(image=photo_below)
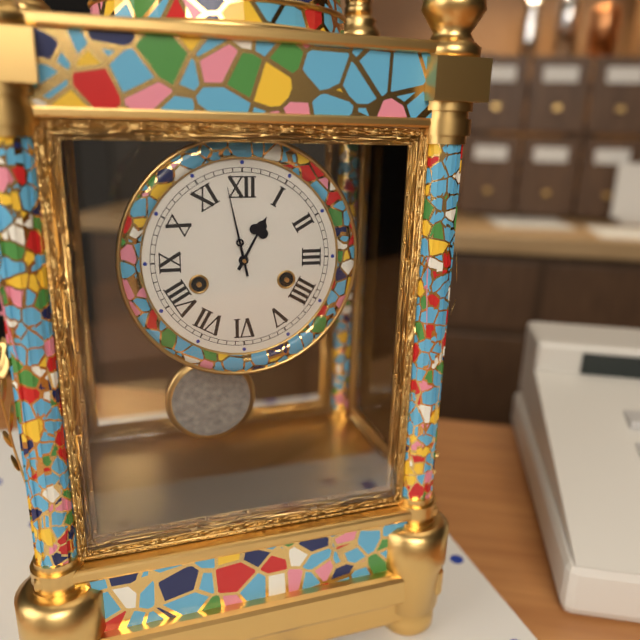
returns {"hour": 12, "minute": 58}
